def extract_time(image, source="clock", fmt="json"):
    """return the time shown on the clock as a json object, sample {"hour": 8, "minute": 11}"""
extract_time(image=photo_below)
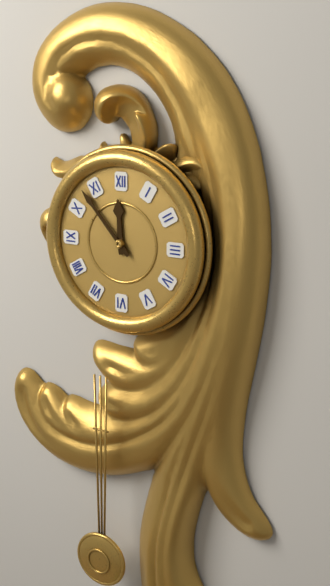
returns {"hour": 11, "minute": 53}
